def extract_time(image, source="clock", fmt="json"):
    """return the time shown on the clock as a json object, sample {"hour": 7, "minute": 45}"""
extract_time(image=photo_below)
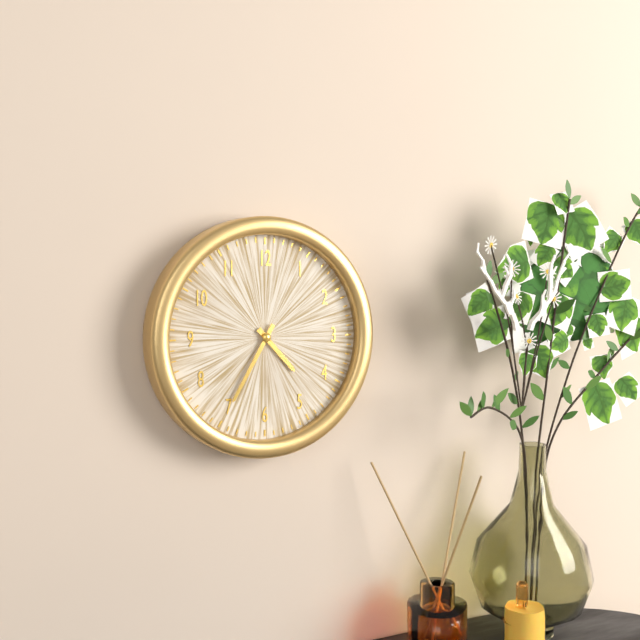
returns {"hour": 4, "minute": 35}
